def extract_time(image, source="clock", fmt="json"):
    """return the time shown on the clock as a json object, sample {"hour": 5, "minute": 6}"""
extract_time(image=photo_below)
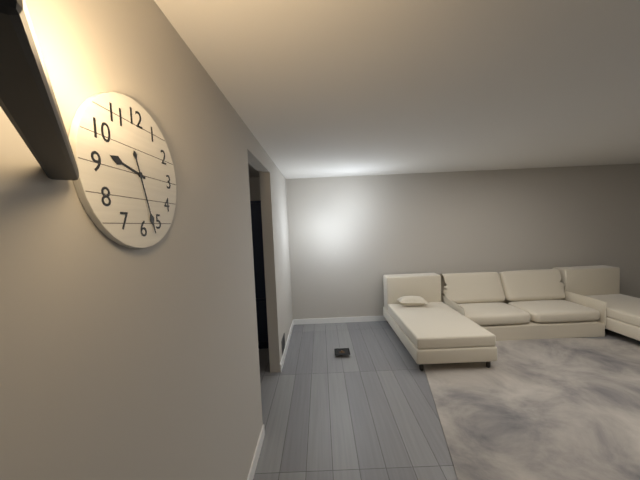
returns {"hour": 9, "minute": 27}
